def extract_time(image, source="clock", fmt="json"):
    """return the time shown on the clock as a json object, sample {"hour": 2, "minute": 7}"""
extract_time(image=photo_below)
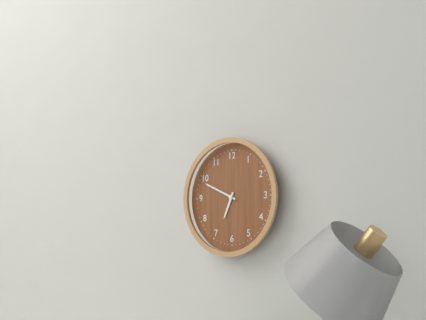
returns {"hour": 6, "minute": 49}
